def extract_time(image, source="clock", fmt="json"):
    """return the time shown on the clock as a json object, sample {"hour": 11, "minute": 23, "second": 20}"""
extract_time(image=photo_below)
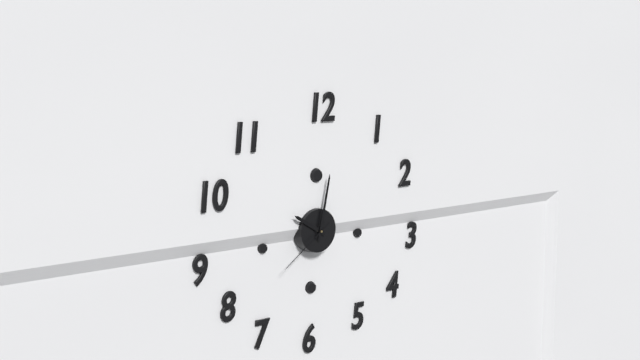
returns {"hour": 10, "minute": 2, "second": 39}
